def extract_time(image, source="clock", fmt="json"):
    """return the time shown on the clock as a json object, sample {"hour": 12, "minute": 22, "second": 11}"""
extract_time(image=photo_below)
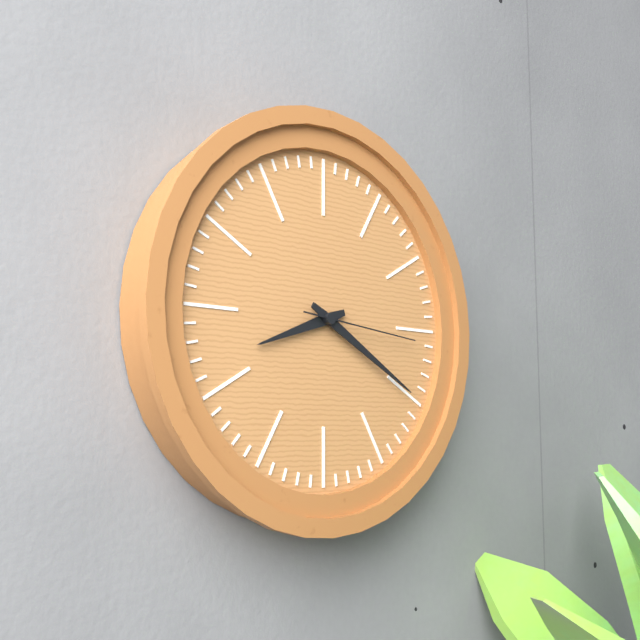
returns {"hour": 8, "minute": 20, "second": 16}
